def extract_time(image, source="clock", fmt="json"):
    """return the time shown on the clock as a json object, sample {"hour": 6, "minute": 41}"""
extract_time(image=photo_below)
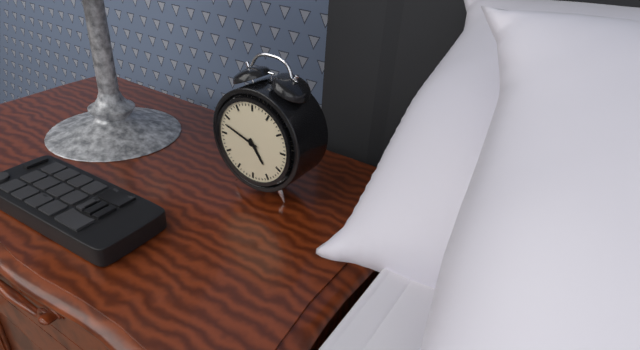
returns {"hour": 4, "minute": 48}
